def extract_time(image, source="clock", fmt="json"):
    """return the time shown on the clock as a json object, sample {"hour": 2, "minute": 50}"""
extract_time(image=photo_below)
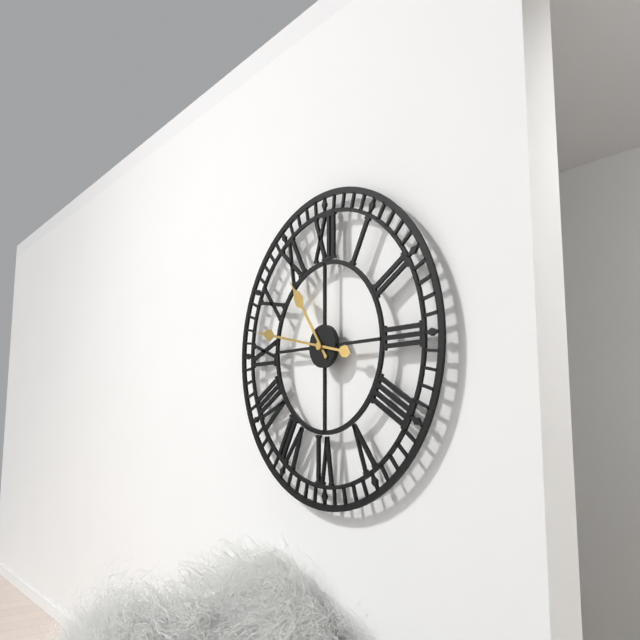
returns {"hour": 10, "minute": 47}
